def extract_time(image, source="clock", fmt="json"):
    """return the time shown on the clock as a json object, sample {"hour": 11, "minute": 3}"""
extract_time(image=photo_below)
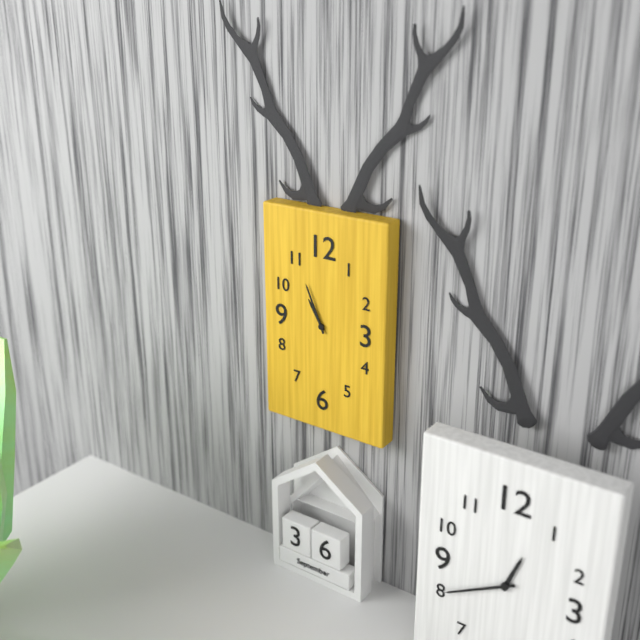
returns {"hour": 10, "minute": 56}
